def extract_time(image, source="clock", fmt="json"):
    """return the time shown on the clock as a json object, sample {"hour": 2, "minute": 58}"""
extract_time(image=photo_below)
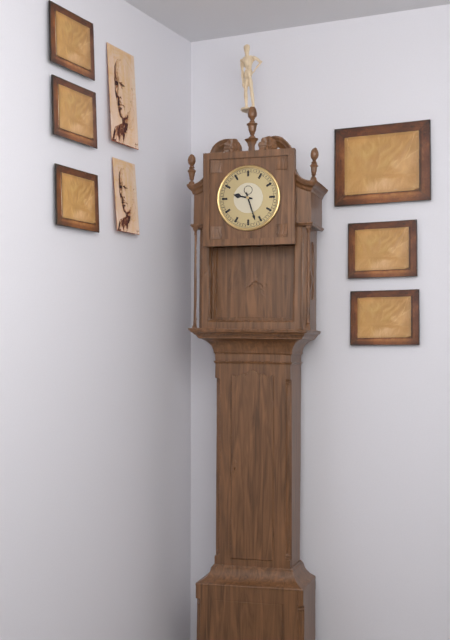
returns {"hour": 9, "minute": 27}
